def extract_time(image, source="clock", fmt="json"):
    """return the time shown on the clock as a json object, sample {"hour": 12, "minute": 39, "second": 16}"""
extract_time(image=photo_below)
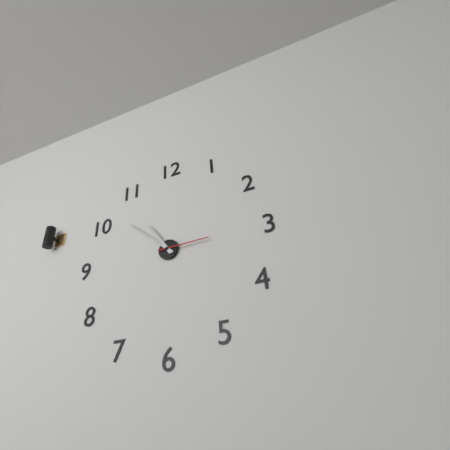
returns {"hour": 10, "minute": 52, "second": 15}
